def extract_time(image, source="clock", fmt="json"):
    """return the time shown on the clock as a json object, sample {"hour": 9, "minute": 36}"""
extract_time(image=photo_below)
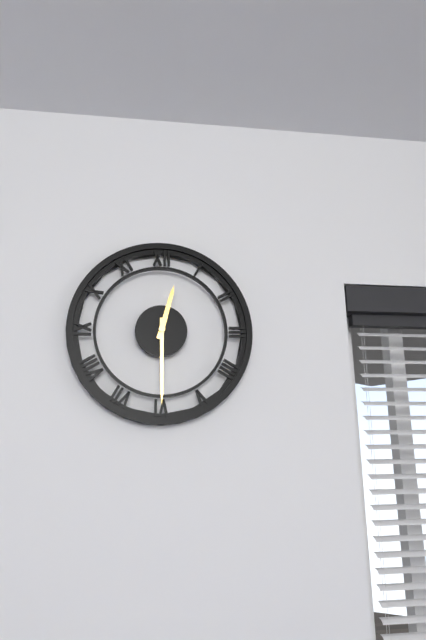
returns {"hour": 12, "minute": 30}
